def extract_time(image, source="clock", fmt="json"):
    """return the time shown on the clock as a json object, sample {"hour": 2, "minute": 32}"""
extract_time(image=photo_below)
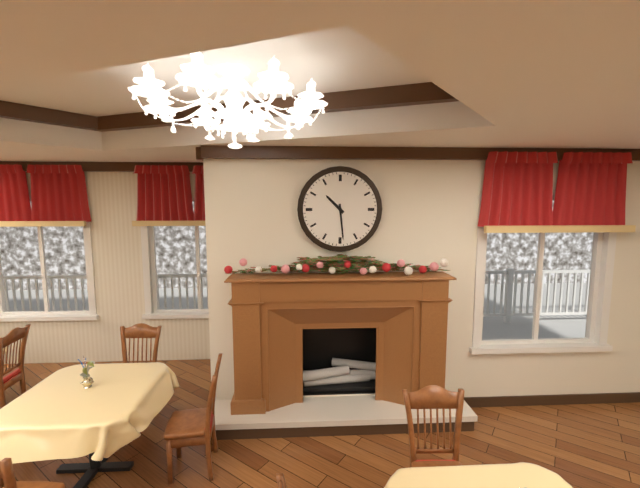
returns {"hour": 10, "minute": 29}
